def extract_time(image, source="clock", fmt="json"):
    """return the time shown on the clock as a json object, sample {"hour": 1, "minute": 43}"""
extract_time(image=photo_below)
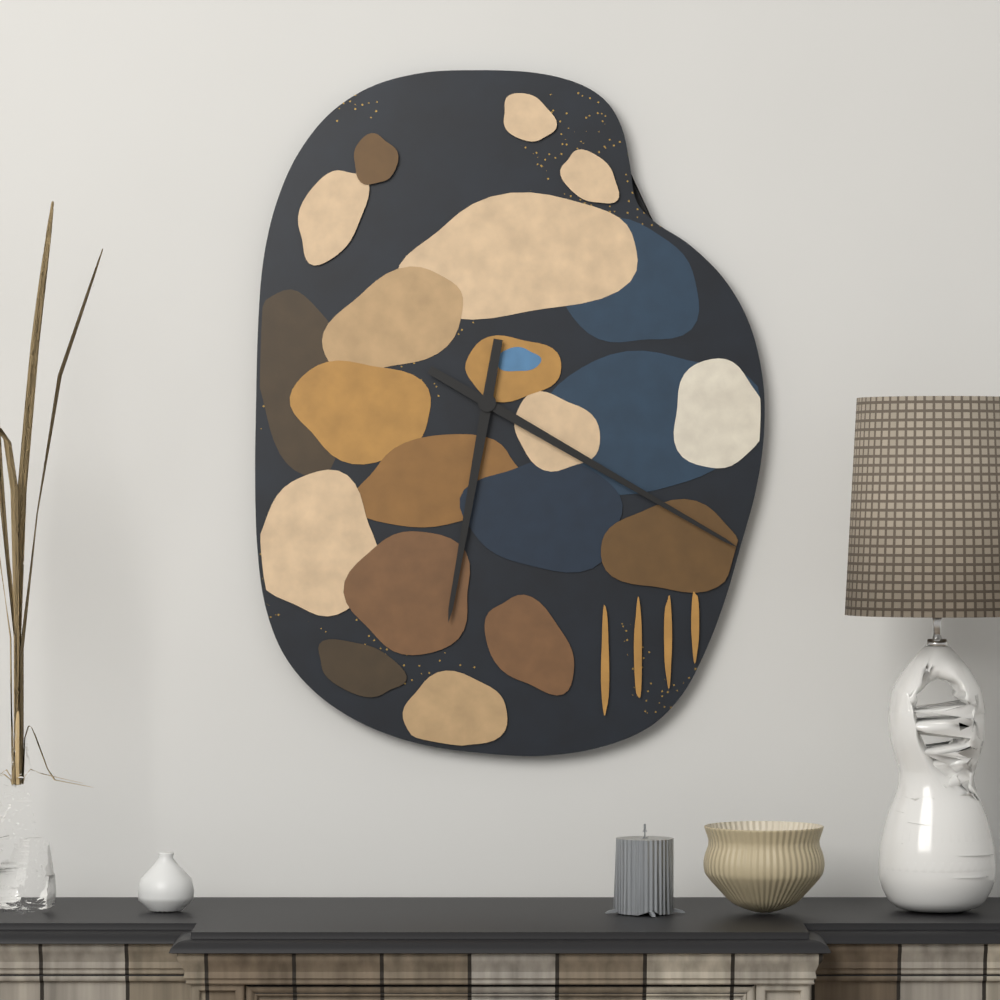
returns {"hour": 6, "minute": 20}
